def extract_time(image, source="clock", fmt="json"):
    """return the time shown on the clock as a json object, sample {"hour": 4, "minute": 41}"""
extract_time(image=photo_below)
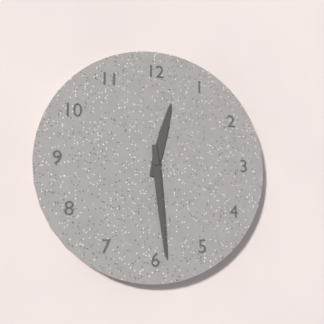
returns {"hour": 12, "minute": 29}
